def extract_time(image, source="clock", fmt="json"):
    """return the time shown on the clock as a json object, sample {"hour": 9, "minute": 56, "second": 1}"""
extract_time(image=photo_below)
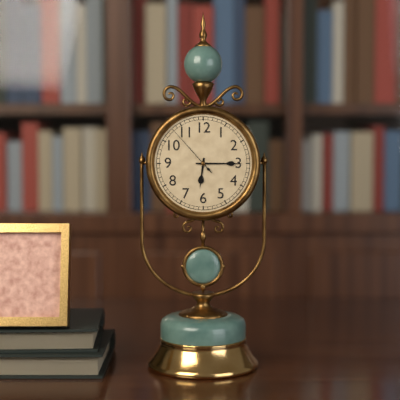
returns {"hour": 6, "minute": 15, "second": 53}
